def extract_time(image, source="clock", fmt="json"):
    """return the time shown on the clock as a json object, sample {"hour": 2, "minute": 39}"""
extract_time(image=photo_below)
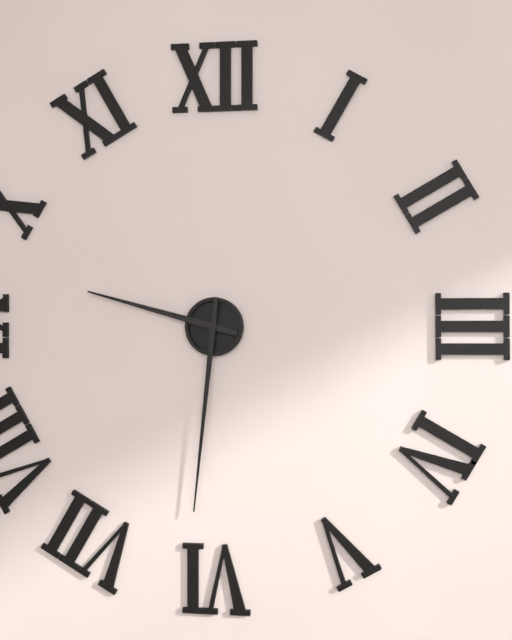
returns {"hour": 9, "minute": 31}
